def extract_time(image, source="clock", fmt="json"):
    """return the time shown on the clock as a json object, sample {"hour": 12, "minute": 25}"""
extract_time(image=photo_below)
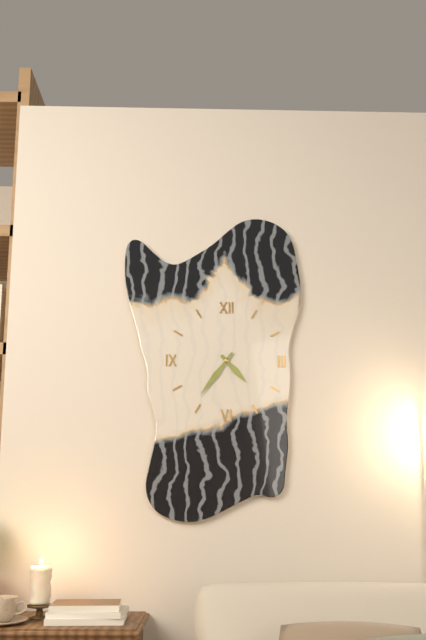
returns {"hour": 4, "minute": 36}
